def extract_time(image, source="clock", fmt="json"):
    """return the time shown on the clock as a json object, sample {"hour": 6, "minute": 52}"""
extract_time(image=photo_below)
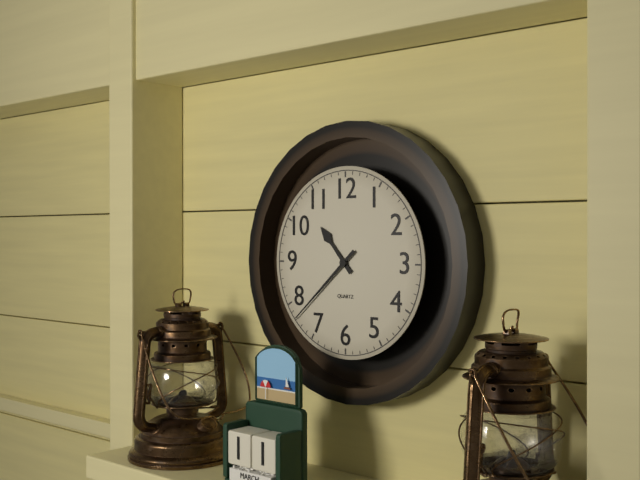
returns {"hour": 10, "minute": 38}
